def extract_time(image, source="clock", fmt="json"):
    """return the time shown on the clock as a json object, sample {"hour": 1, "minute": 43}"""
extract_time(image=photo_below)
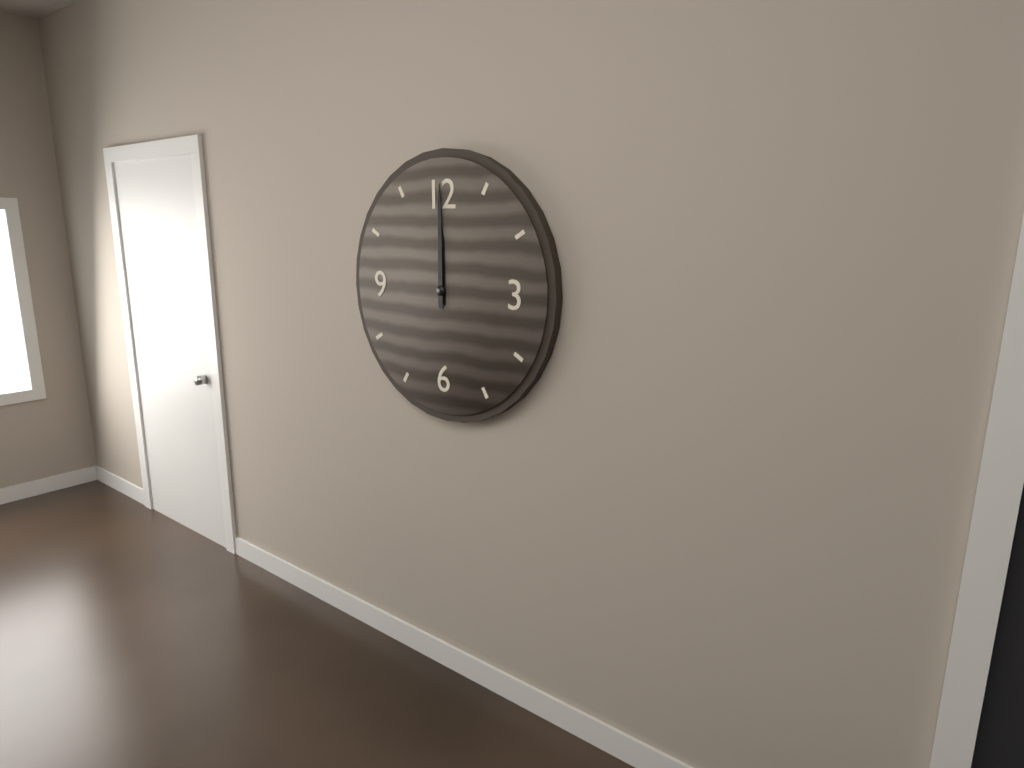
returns {"hour": 12, "minute": 0}
